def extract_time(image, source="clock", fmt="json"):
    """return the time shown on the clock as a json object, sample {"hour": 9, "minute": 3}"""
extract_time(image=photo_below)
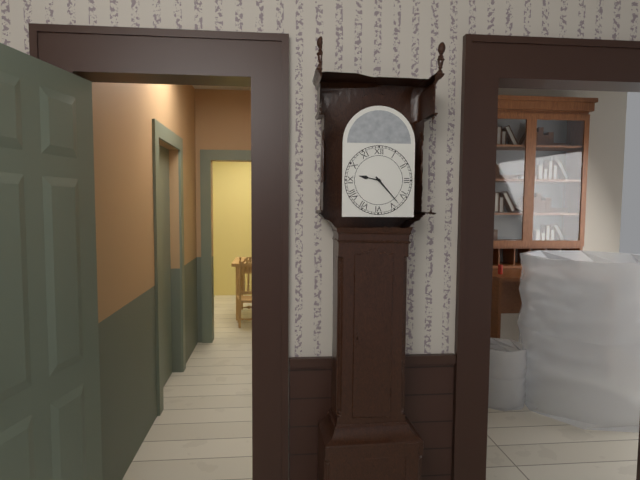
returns {"hour": 9, "minute": 23}
